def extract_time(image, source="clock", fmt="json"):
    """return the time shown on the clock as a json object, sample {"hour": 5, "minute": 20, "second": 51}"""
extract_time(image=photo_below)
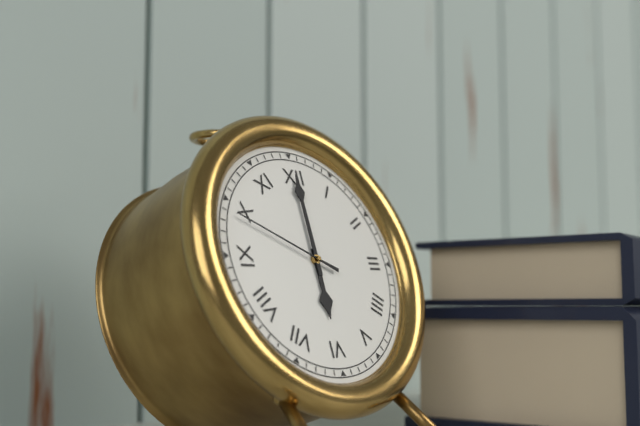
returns {"hour": 6, "minute": 0, "second": 49}
